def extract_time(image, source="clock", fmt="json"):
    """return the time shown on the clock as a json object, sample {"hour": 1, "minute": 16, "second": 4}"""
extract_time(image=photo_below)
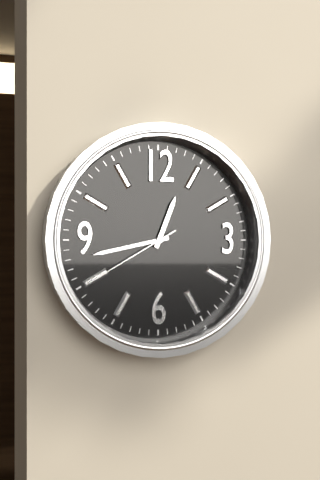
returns {"hour": 12, "minute": 43, "second": 40}
